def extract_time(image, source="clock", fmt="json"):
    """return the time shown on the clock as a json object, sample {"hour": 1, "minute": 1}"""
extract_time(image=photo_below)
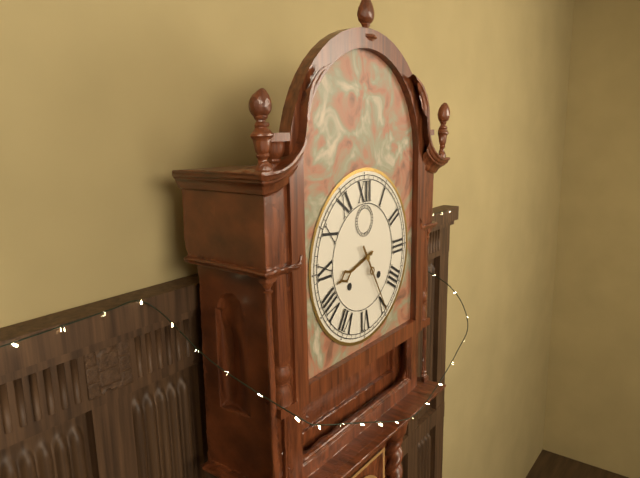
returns {"hour": 8, "minute": 25}
